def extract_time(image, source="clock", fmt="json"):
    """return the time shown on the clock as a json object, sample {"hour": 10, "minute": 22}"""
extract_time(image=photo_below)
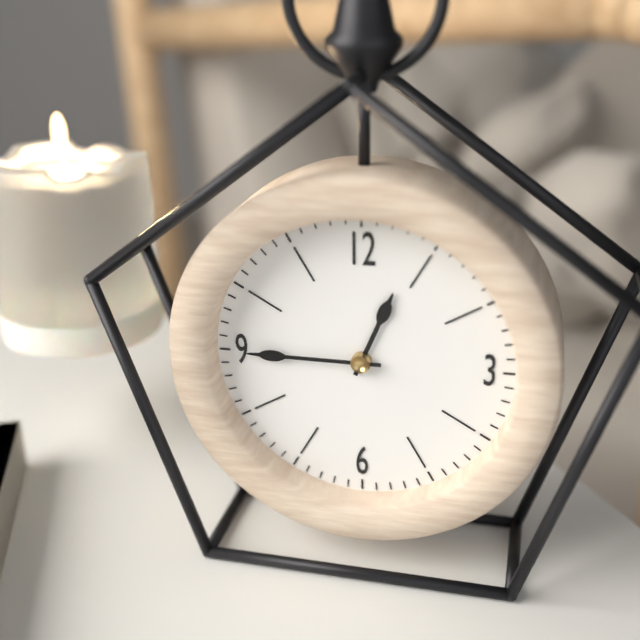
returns {"hour": 12, "minute": 45}
